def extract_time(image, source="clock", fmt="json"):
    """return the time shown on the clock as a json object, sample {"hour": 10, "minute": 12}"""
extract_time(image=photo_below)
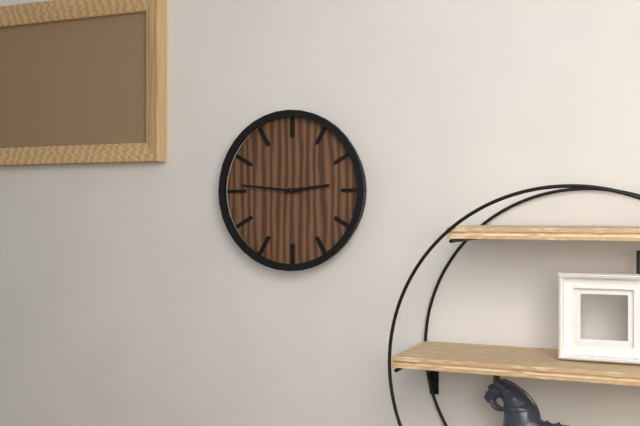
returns {"hour": 2, "minute": 46}
